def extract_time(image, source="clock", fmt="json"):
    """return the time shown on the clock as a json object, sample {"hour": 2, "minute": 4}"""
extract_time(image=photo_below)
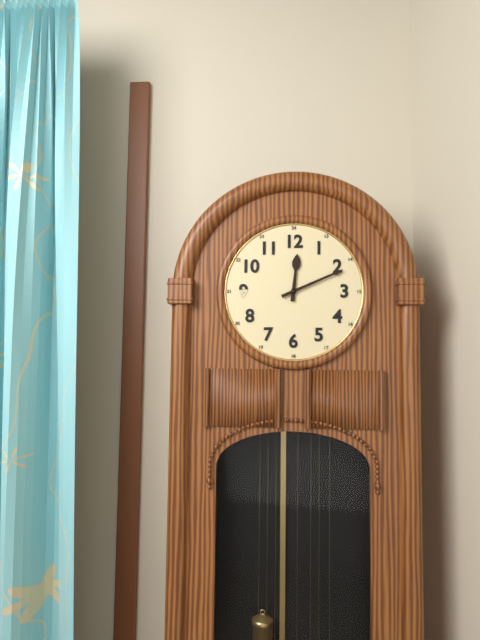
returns {"hour": 12, "minute": 11}
